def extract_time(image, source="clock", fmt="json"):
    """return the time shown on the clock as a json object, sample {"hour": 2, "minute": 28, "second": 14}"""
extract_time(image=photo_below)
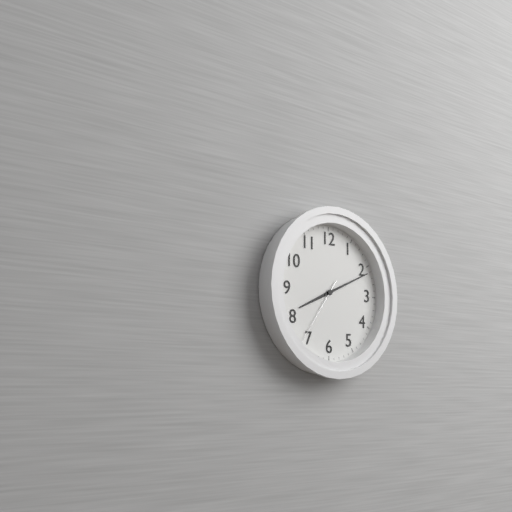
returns {"hour": 8, "minute": 11, "second": 36}
